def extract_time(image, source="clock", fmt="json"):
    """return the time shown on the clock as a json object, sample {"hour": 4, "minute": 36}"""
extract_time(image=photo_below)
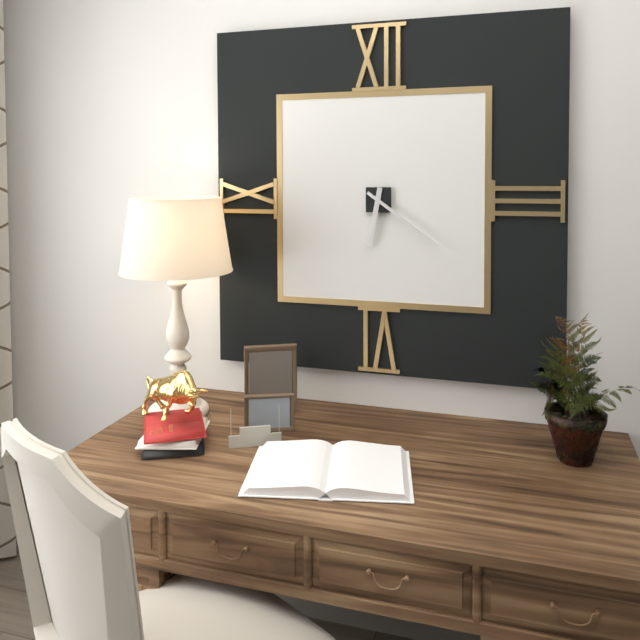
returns {"hour": 6, "minute": 21}
